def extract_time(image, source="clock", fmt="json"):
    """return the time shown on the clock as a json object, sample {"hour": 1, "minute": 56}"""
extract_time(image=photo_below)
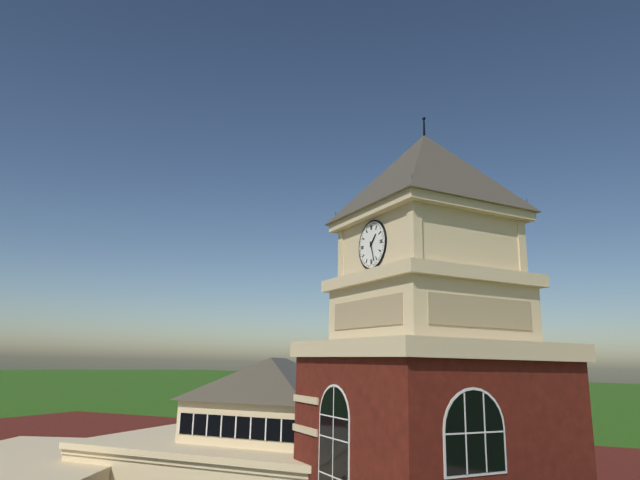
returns {"hour": 1, "minute": 27}
